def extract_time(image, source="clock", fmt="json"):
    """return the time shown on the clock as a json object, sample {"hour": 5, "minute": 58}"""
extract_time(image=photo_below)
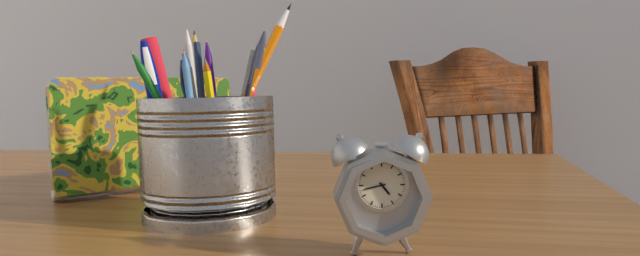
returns {"hour": 4, "minute": 43}
